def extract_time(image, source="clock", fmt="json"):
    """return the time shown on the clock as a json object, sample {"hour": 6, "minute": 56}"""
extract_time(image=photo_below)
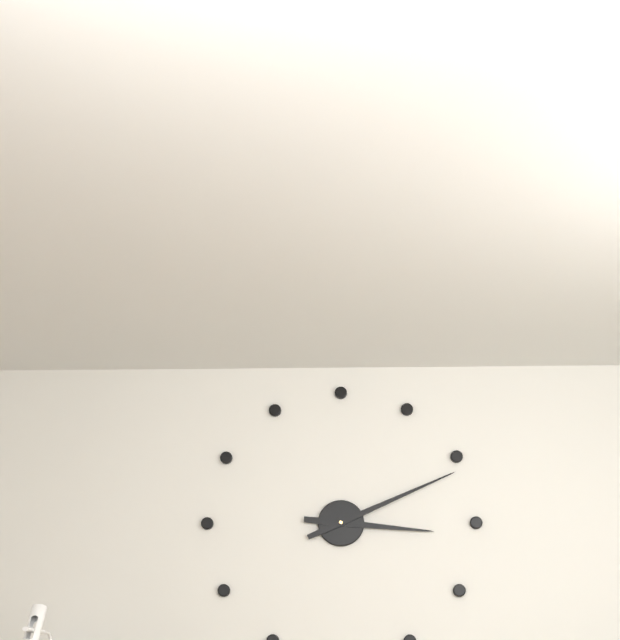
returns {"hour": 3, "minute": 11}
